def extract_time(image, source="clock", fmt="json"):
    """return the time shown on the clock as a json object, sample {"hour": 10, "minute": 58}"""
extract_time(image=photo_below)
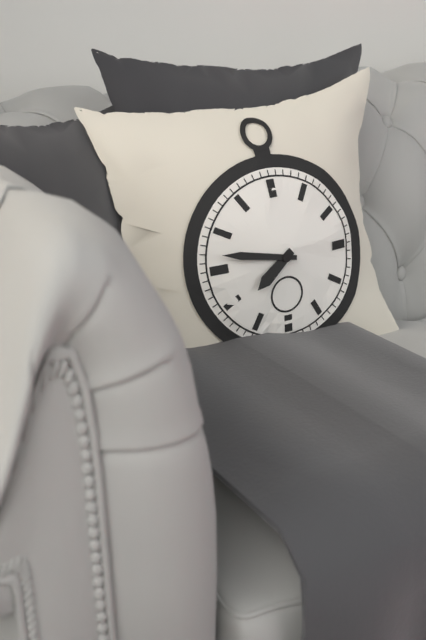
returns {"hour": 7, "minute": 47}
